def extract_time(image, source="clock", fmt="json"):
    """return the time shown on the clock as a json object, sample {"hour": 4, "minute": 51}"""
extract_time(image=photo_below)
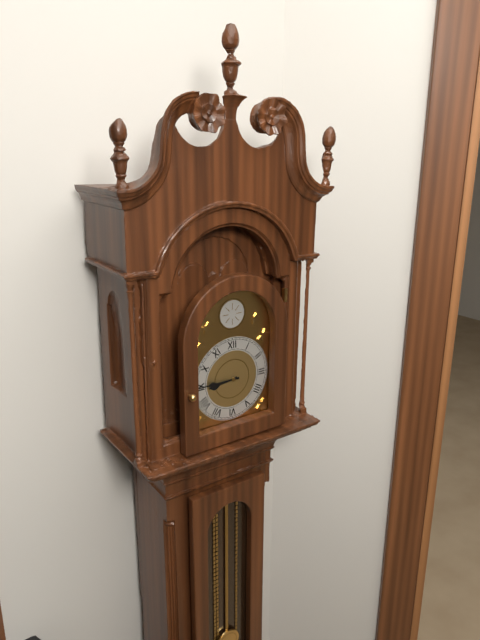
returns {"hour": 8, "minute": 45}
